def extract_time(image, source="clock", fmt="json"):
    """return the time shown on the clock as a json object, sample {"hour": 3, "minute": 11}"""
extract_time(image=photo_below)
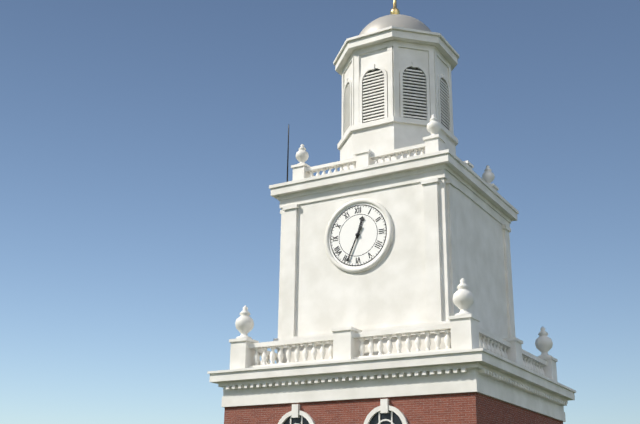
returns {"hour": 12, "minute": 34}
